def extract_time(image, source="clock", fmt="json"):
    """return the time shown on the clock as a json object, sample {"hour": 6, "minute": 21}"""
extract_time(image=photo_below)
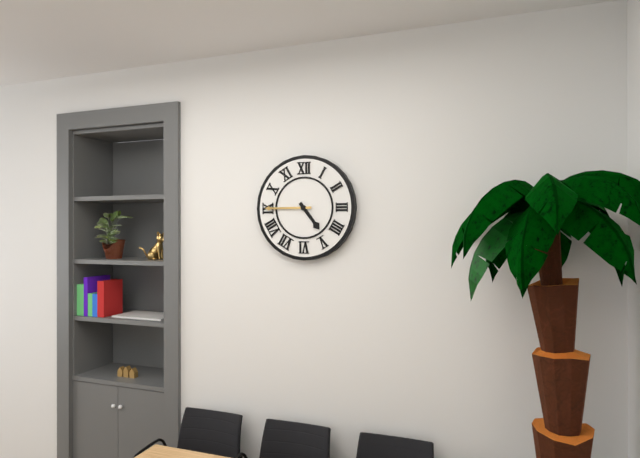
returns {"hour": 4, "minute": 45}
